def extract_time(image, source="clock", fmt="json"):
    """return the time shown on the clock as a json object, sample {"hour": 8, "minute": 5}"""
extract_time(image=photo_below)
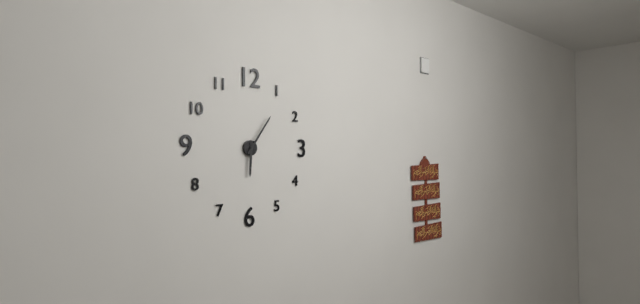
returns {"hour": 6, "minute": 6}
